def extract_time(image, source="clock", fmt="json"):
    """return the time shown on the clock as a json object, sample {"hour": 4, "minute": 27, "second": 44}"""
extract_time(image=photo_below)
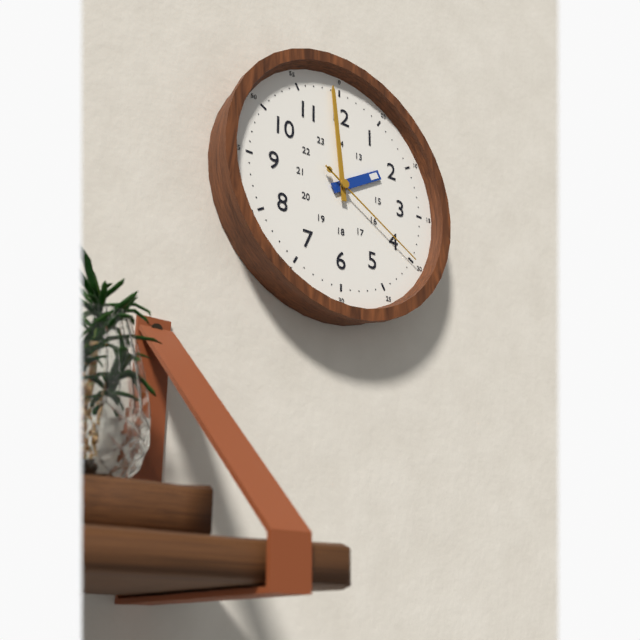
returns {"hour": 1, "minute": 59, "second": 20}
